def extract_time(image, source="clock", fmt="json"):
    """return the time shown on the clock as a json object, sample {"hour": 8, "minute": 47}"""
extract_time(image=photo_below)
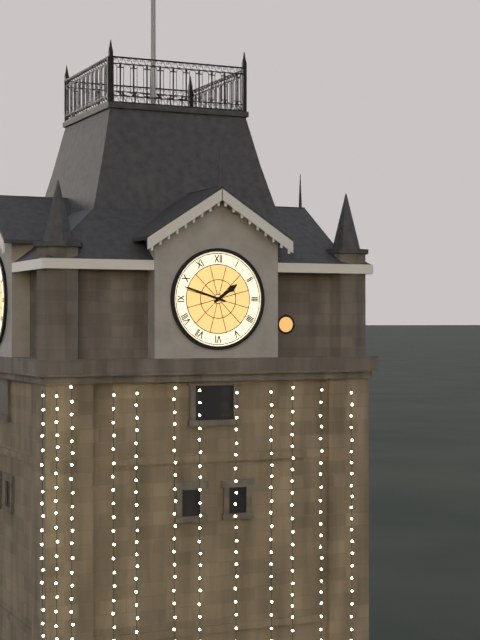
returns {"hour": 1, "minute": 48}
